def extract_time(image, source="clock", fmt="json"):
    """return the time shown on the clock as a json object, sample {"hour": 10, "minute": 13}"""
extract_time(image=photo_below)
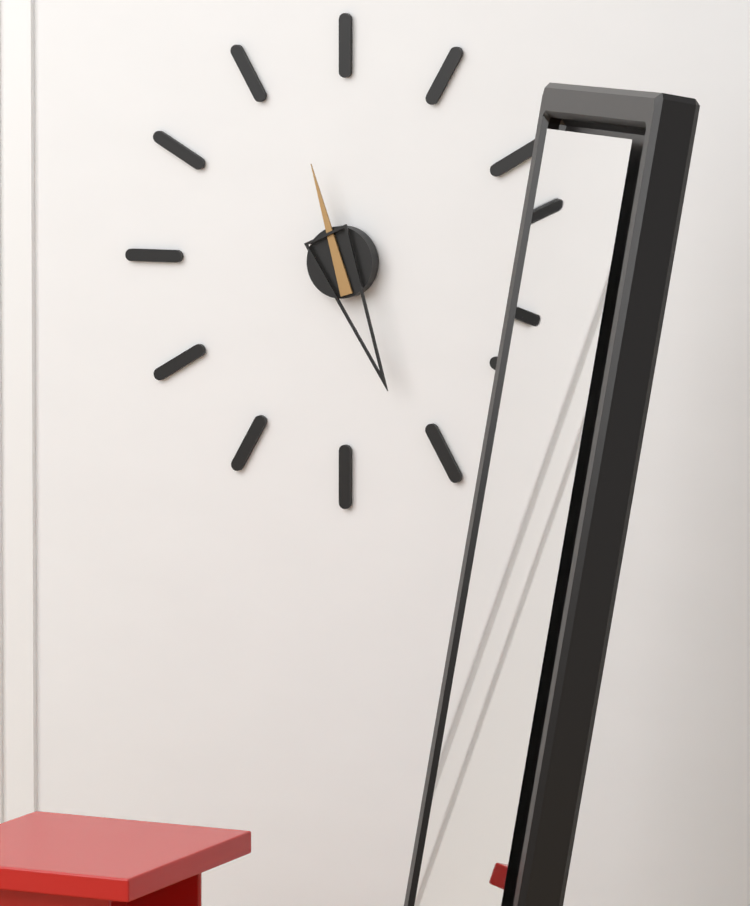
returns {"hour": 11, "minute": 26}
